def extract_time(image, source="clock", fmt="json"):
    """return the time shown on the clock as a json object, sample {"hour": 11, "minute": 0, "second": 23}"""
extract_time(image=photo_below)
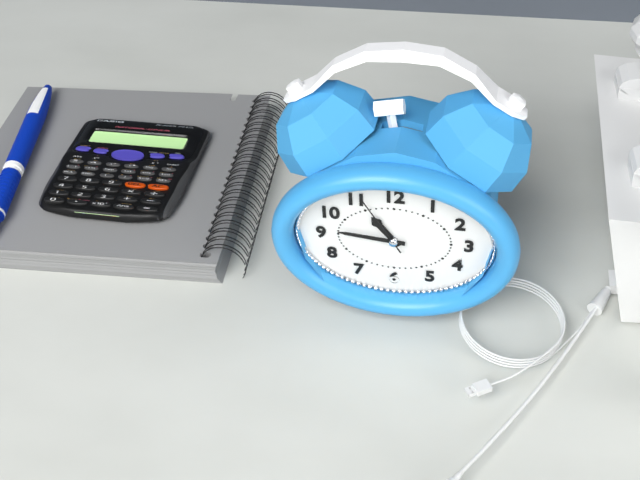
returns {"hour": 10, "minute": 46, "second": 55}
